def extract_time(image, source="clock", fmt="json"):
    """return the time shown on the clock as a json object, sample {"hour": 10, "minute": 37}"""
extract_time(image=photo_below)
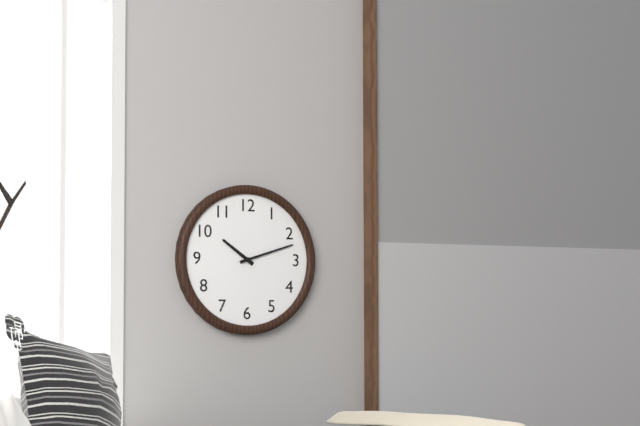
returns {"hour": 10, "minute": 12}
